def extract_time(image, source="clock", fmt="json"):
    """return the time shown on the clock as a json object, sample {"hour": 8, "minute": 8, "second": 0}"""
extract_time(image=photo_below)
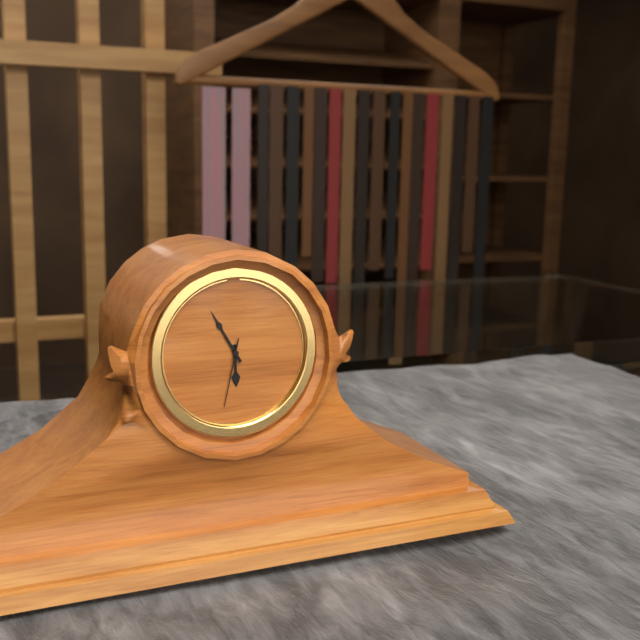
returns {"hour": 5, "minute": 55, "second": 32}
